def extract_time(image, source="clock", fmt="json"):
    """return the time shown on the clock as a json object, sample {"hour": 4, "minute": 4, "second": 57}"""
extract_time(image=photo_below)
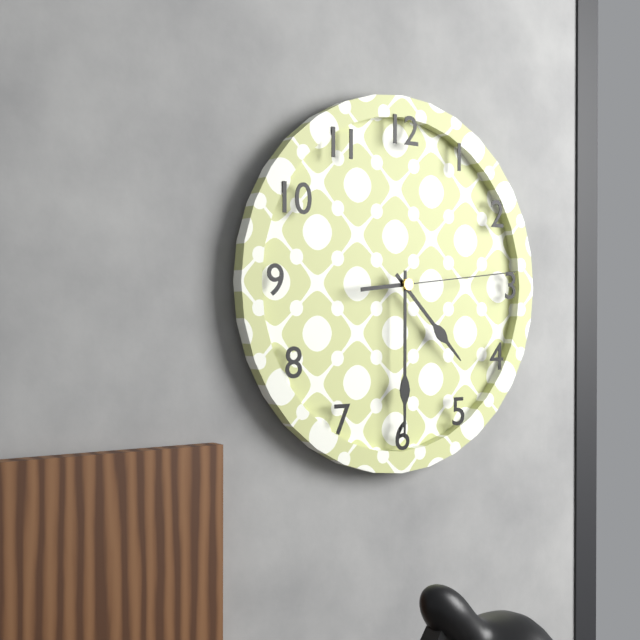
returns {"hour": 4, "minute": 30, "second": 14}
